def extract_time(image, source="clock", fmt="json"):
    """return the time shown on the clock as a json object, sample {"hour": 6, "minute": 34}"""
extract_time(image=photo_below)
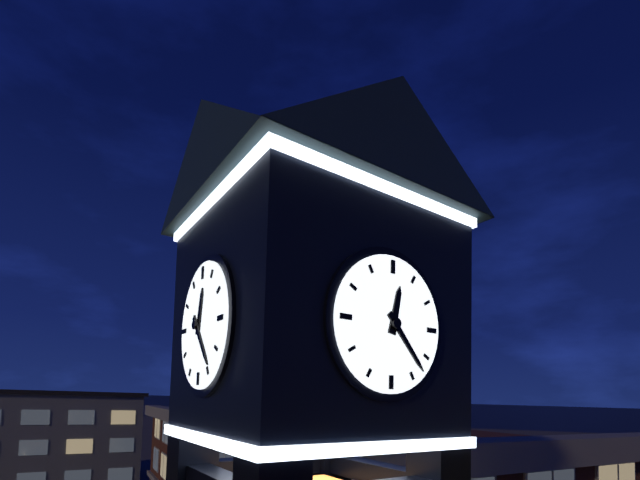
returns {"hour": 12, "minute": 23}
